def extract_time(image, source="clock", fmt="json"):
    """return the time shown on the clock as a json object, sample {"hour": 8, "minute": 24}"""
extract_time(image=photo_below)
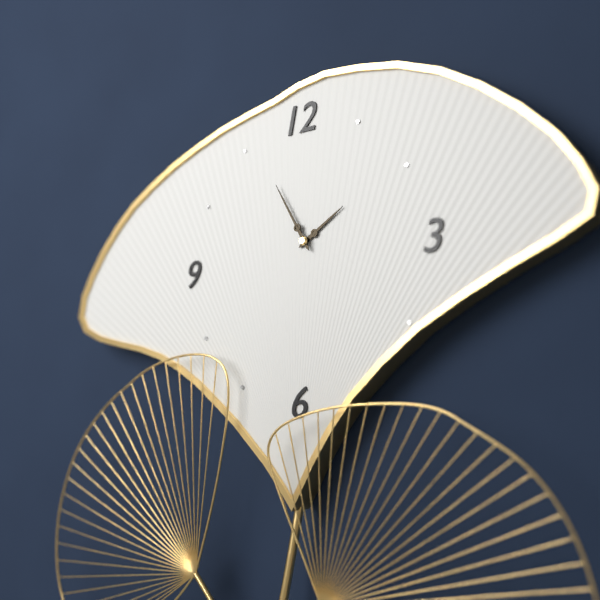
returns {"hour": 1, "minute": 55}
